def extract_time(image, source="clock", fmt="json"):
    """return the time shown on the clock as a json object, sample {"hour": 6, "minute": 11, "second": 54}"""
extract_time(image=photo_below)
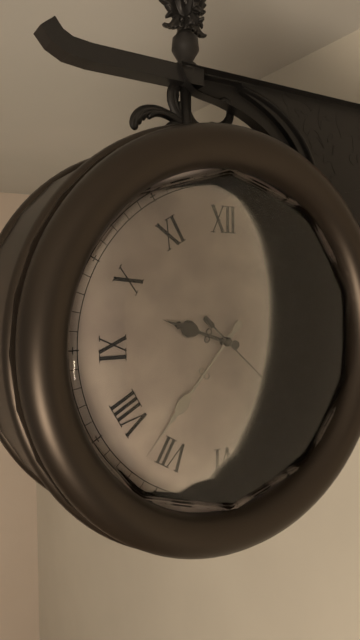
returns {"hour": 9, "minute": 37, "second": 22}
